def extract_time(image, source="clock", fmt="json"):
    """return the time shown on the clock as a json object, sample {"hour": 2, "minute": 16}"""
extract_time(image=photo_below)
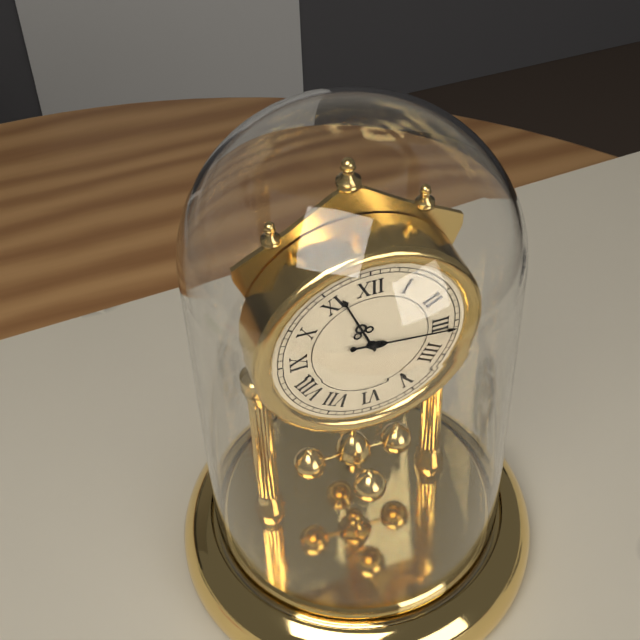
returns {"hour": 11, "minute": 16}
